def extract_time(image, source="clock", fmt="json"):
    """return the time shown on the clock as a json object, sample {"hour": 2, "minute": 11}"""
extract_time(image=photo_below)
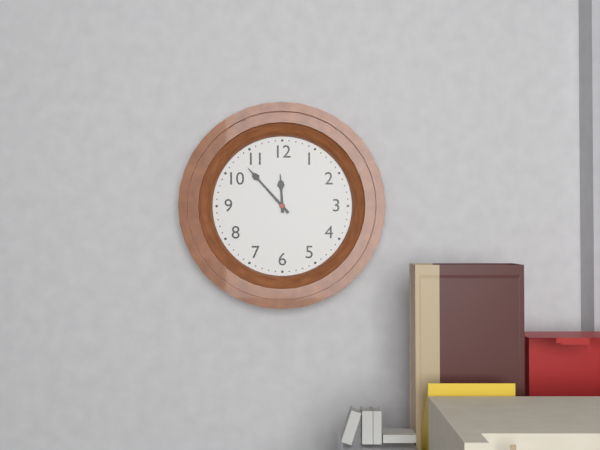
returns {"hour": 11, "minute": 53}
